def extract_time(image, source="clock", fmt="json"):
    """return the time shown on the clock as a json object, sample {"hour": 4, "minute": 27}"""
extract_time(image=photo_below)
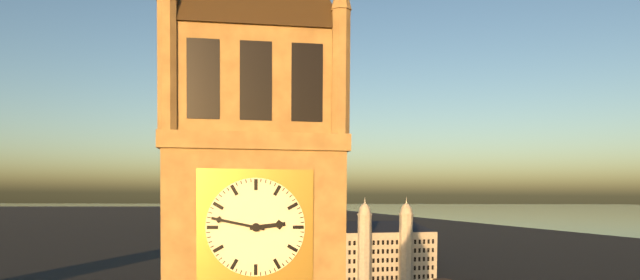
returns {"hour": 2, "minute": 47}
